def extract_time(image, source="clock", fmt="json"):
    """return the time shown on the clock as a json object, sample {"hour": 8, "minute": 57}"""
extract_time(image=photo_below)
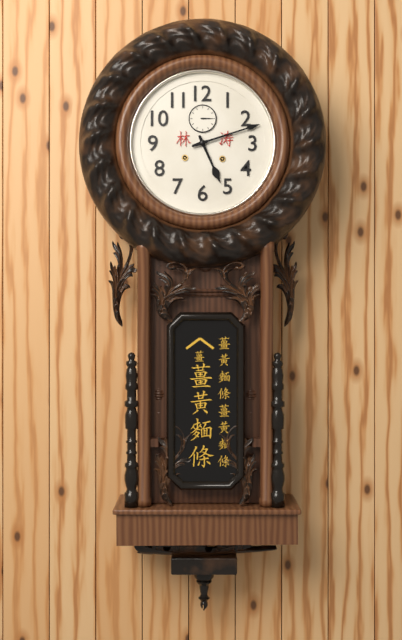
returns {"hour": 5, "minute": 12}
